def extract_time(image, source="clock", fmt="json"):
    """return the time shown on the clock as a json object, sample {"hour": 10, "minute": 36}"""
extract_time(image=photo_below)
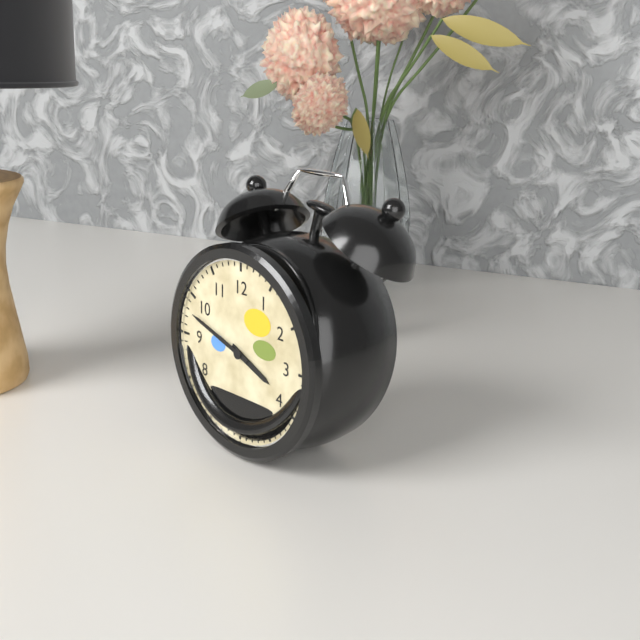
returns {"hour": 3, "minute": 48}
